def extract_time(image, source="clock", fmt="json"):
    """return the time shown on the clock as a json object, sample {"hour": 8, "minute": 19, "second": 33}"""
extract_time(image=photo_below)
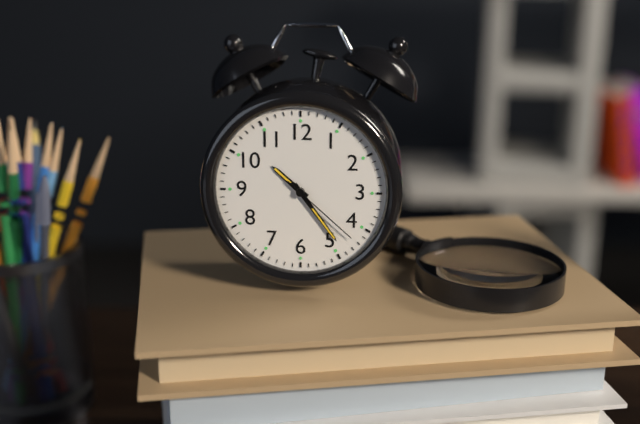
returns {"hour": 10, "minute": 24, "second": 22}
